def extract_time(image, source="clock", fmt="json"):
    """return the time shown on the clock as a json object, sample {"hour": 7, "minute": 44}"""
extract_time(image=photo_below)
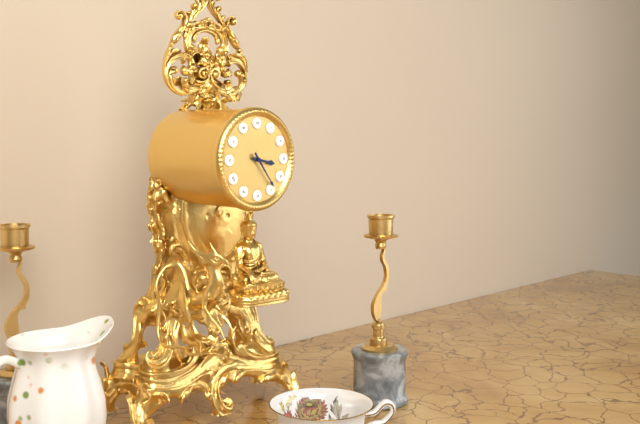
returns {"hour": 3, "minute": 24}
